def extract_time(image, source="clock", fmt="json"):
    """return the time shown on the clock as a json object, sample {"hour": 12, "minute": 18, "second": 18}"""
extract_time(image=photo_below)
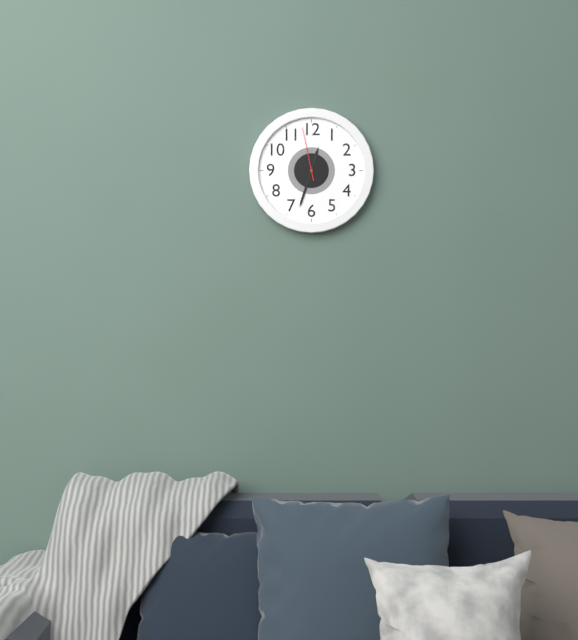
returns {"hour": 12, "minute": 33, "second": 58}
